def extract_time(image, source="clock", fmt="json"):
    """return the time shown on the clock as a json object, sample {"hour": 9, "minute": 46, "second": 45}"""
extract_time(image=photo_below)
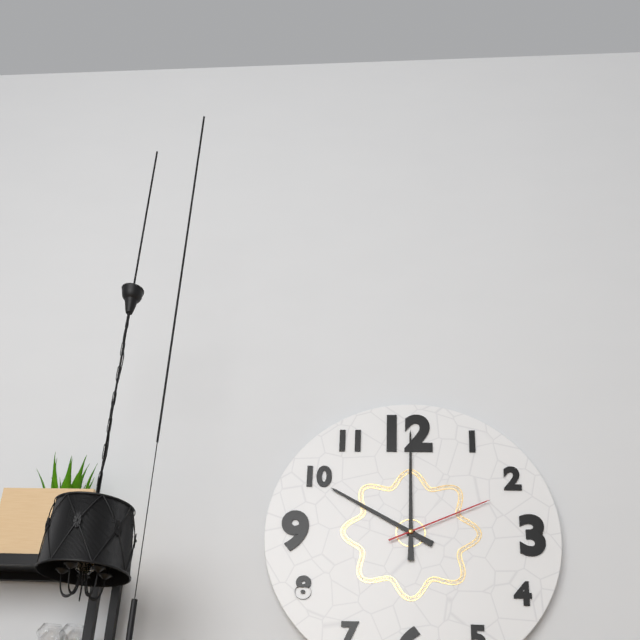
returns {"hour": 10, "minute": 0, "second": 11}
